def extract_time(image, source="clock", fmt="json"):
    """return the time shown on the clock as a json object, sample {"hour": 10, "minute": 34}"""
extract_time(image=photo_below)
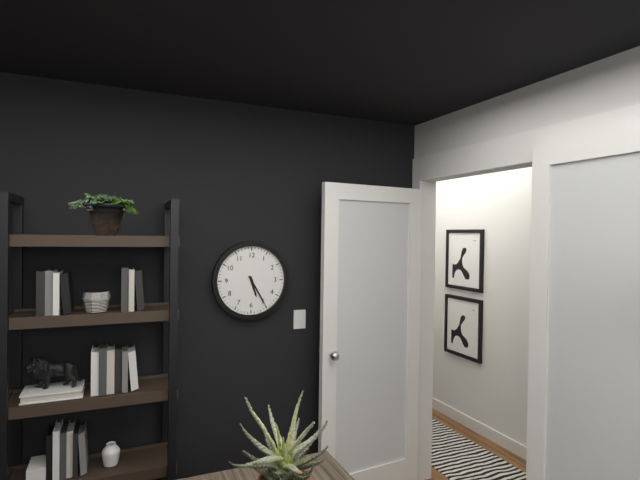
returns {"hour": 5, "minute": 25}
